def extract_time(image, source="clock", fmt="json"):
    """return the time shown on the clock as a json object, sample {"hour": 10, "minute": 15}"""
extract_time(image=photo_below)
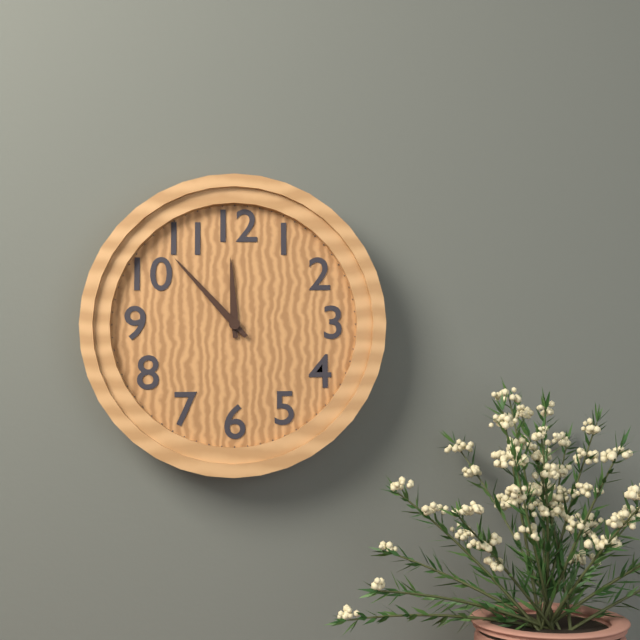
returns {"hour": 11, "minute": 53}
